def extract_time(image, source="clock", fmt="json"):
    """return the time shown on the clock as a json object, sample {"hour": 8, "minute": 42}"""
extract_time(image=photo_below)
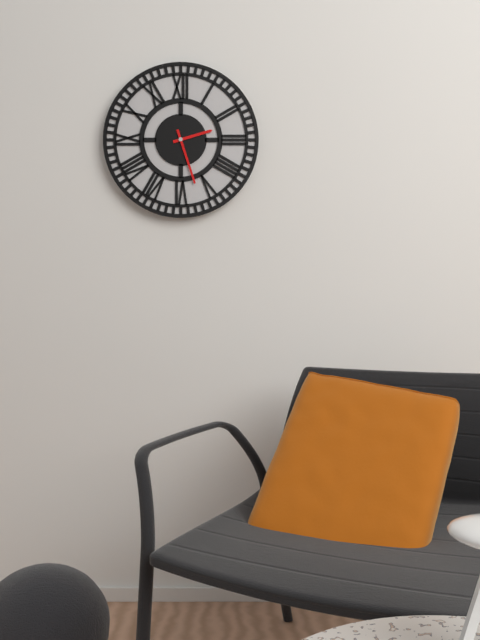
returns {"hour": 2, "minute": 27}
